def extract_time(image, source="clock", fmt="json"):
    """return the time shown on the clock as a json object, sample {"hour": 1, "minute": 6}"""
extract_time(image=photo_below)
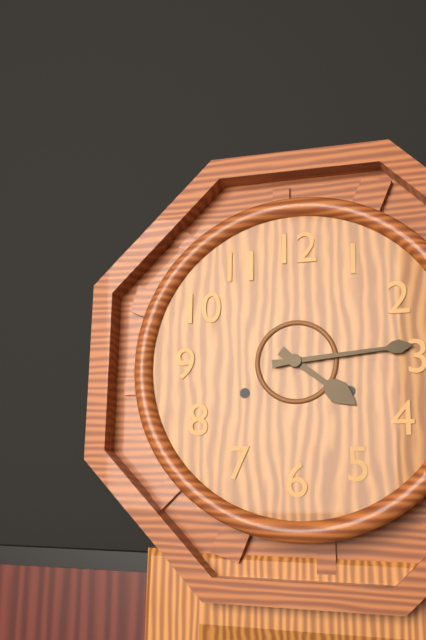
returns {"hour": 4, "minute": 14}
